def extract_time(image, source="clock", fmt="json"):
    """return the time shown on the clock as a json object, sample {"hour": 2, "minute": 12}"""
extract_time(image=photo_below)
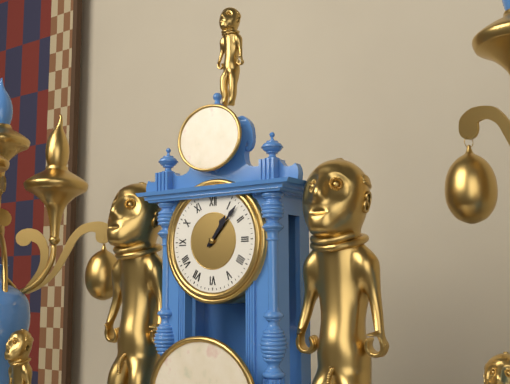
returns {"hour": 1, "minute": 7}
